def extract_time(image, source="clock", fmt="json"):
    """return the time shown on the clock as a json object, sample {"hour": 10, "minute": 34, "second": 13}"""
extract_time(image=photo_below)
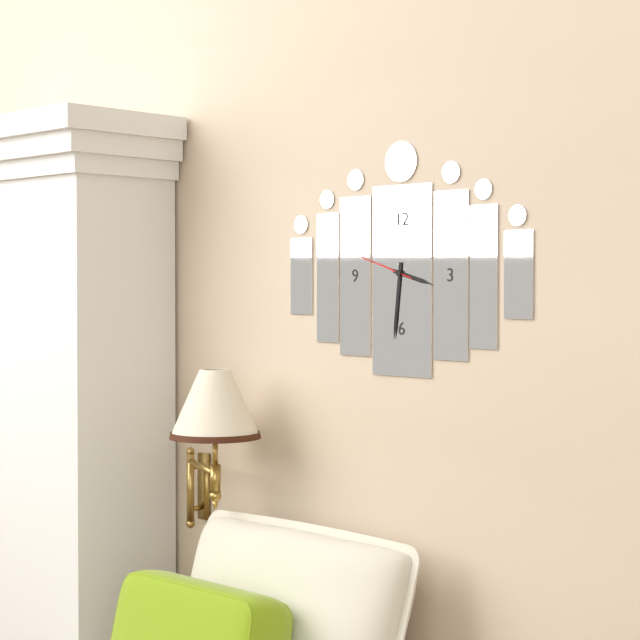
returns {"hour": 3, "minute": 31, "second": 48}
